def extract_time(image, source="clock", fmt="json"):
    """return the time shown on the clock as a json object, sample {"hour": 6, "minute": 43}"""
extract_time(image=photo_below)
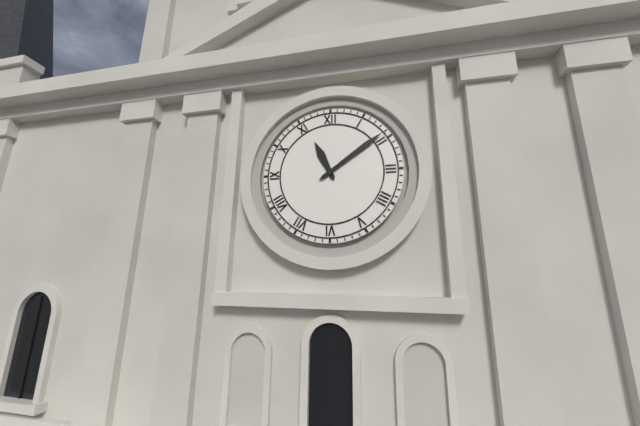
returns {"hour": 11, "minute": 9}
